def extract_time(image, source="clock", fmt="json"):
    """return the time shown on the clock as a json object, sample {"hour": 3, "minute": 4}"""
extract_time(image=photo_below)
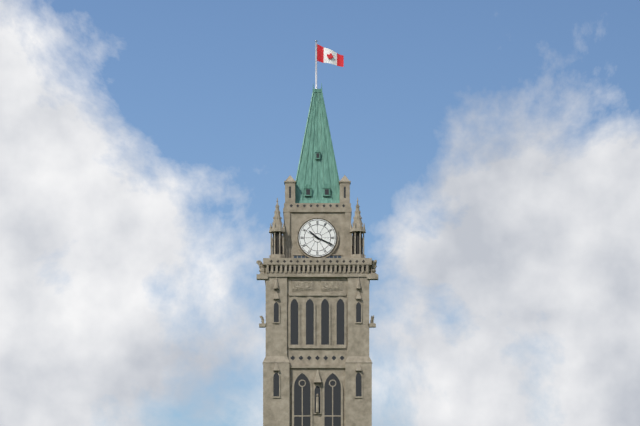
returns {"hour": 10, "minute": 19}
